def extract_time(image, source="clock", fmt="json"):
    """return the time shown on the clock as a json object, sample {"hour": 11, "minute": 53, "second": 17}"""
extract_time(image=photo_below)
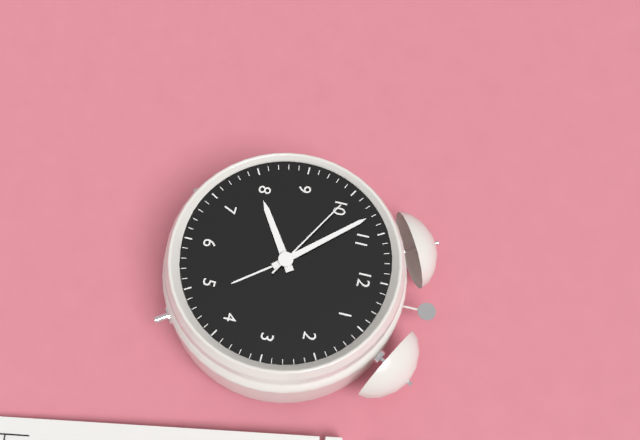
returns {"hour": 7, "minute": 53, "second": 50}
